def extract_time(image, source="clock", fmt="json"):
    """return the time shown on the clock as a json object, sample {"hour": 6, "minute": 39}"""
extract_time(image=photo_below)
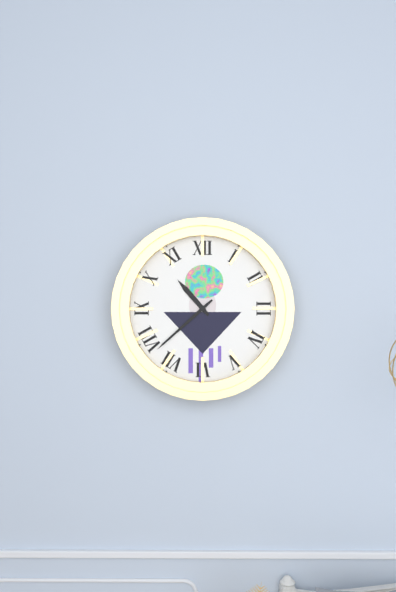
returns {"hour": 10, "minute": 38}
